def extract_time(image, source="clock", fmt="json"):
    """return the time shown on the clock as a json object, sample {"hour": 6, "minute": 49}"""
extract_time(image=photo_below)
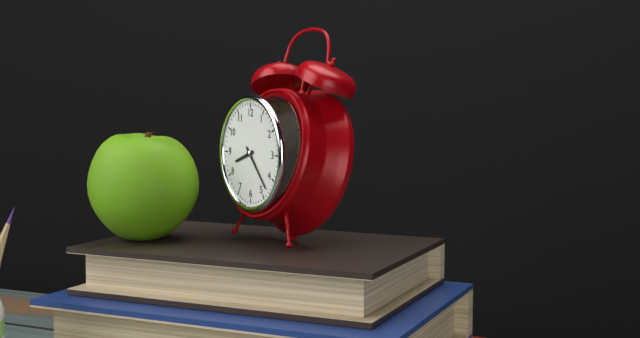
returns {"hour": 8, "minute": 23}
